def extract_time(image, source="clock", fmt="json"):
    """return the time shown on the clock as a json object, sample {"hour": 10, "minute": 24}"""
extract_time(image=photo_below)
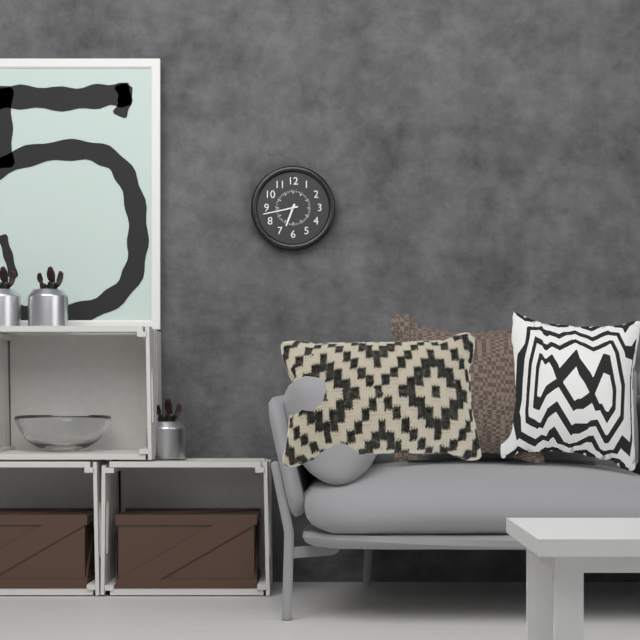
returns {"hour": 6, "minute": 43}
